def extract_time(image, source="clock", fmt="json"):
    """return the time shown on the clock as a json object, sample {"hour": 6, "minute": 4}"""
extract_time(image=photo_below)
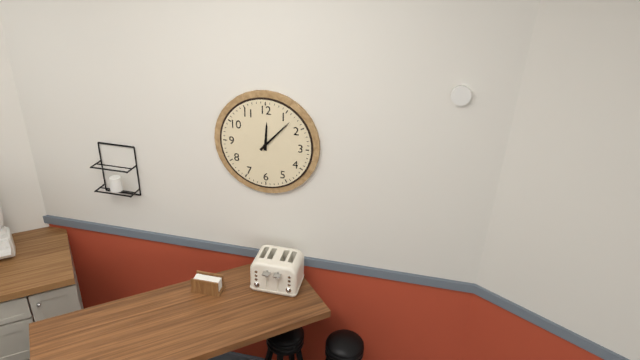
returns {"hour": 12, "minute": 7}
